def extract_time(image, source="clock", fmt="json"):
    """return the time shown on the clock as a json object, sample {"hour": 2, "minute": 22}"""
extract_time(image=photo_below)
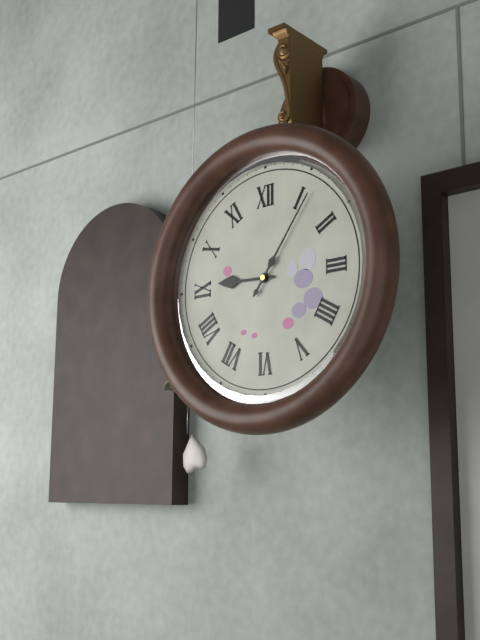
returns {"hour": 9, "minute": 6}
